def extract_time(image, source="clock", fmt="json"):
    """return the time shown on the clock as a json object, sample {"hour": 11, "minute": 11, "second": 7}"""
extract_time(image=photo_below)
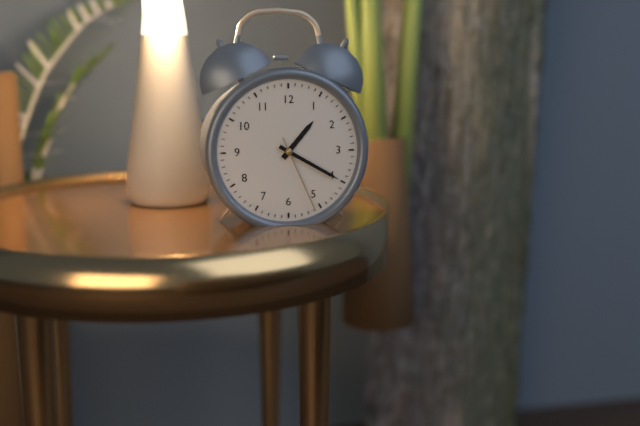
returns {"hour": 1, "minute": 20, "second": 26}
